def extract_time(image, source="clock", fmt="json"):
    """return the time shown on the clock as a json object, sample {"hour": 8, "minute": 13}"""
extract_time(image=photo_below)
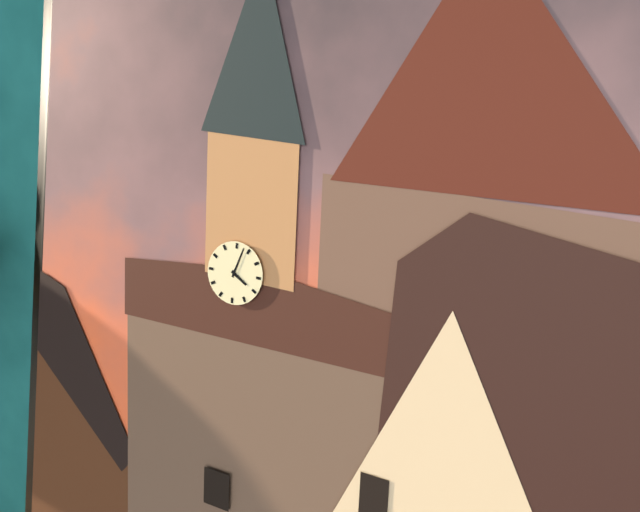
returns {"hour": 4, "minute": 3}
